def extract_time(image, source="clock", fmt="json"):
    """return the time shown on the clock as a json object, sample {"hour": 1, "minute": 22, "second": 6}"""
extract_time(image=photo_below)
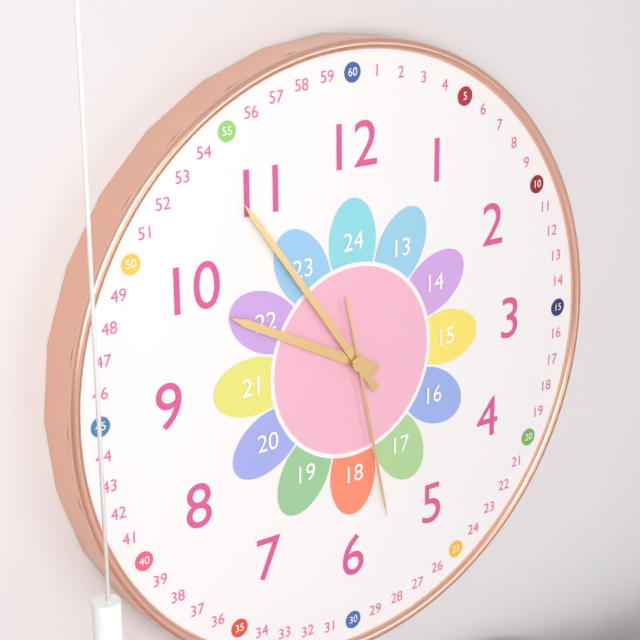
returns {"hour": 9, "minute": 54, "second": 28}
